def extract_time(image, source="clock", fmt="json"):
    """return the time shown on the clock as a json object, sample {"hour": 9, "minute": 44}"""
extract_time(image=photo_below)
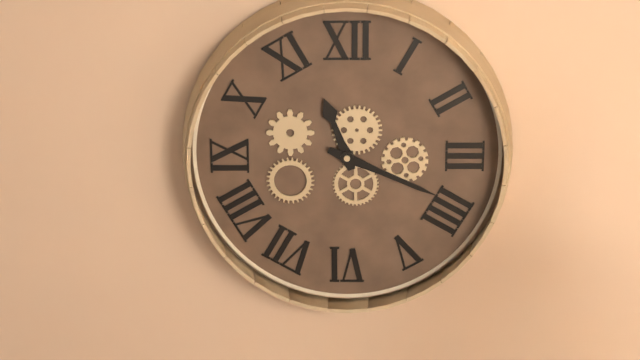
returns {"hour": 11, "minute": 19}
